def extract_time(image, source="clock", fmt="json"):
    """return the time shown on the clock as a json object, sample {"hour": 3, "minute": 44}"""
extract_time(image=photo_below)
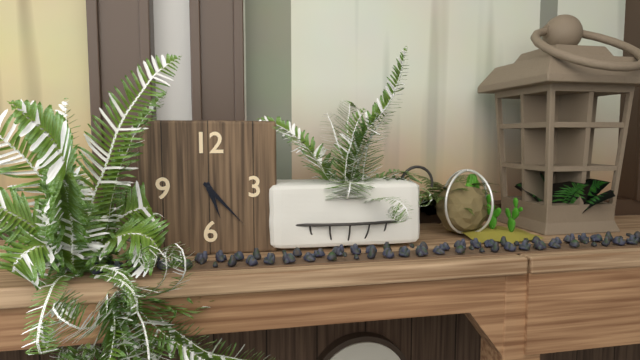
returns {"hour": 5, "minute": 23}
